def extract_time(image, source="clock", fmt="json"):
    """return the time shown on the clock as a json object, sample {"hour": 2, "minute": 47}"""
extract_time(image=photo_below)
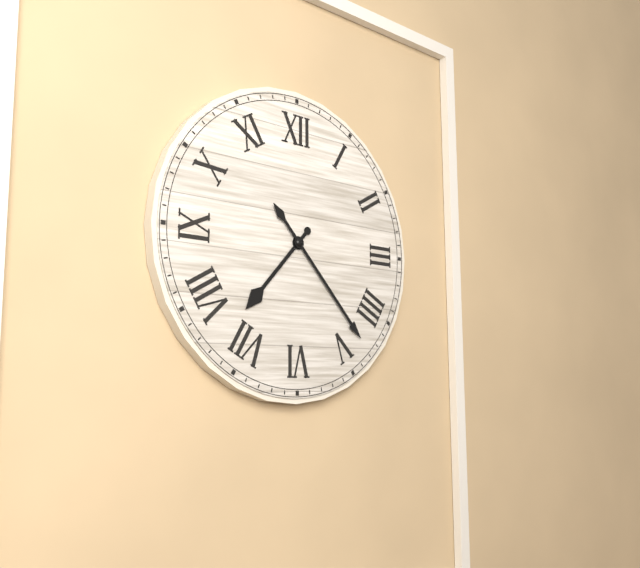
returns {"hour": 7, "minute": 23}
